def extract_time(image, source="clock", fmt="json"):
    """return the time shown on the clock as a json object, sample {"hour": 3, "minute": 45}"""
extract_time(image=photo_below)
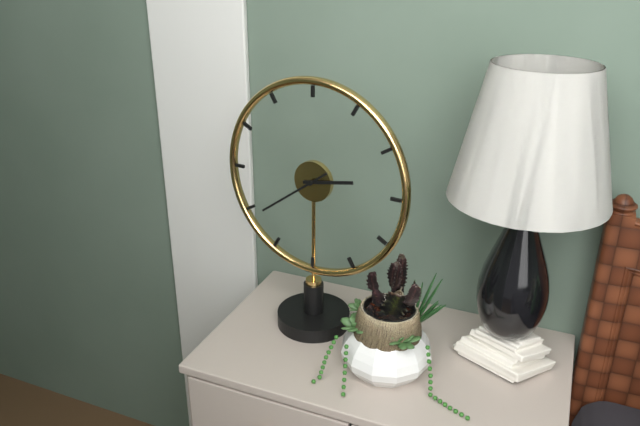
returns {"hour": 2, "minute": 39}
